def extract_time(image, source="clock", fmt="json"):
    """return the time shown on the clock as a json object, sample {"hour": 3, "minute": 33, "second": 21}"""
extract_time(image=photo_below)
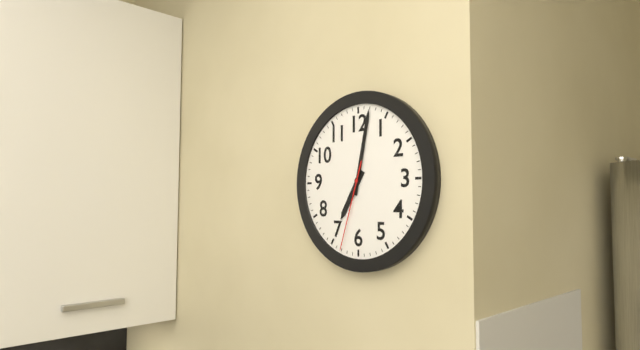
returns {"hour": 7, "minute": 2, "second": 33}
